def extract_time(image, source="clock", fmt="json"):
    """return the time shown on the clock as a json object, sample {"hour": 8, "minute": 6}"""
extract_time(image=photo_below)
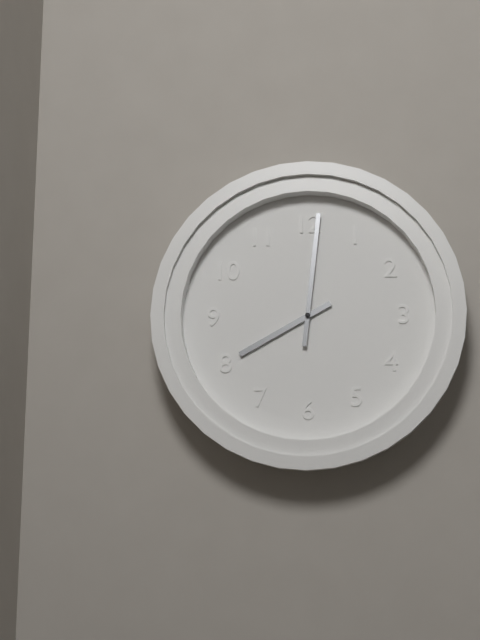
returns {"hour": 8, "minute": 1}
